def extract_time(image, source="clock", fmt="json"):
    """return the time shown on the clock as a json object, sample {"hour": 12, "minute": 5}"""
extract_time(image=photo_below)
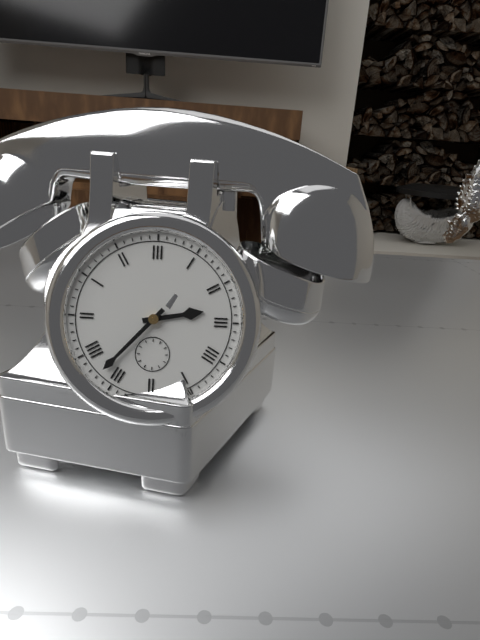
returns {"hour": 2, "minute": 37}
